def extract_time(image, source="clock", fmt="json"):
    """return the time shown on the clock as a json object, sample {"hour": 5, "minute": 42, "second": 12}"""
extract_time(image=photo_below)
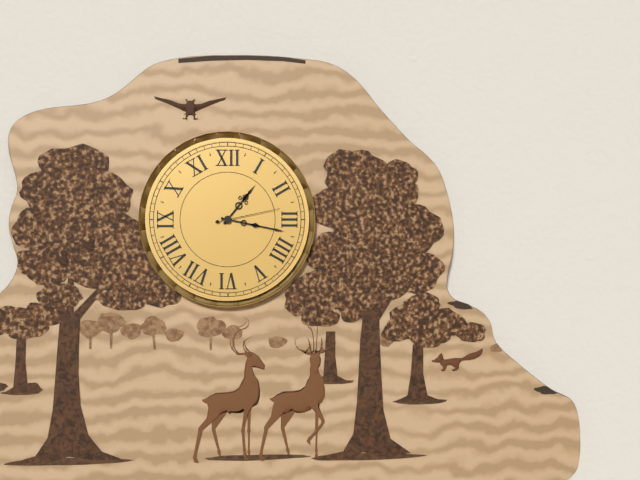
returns {"hour": 1, "minute": 17, "second": 13}
